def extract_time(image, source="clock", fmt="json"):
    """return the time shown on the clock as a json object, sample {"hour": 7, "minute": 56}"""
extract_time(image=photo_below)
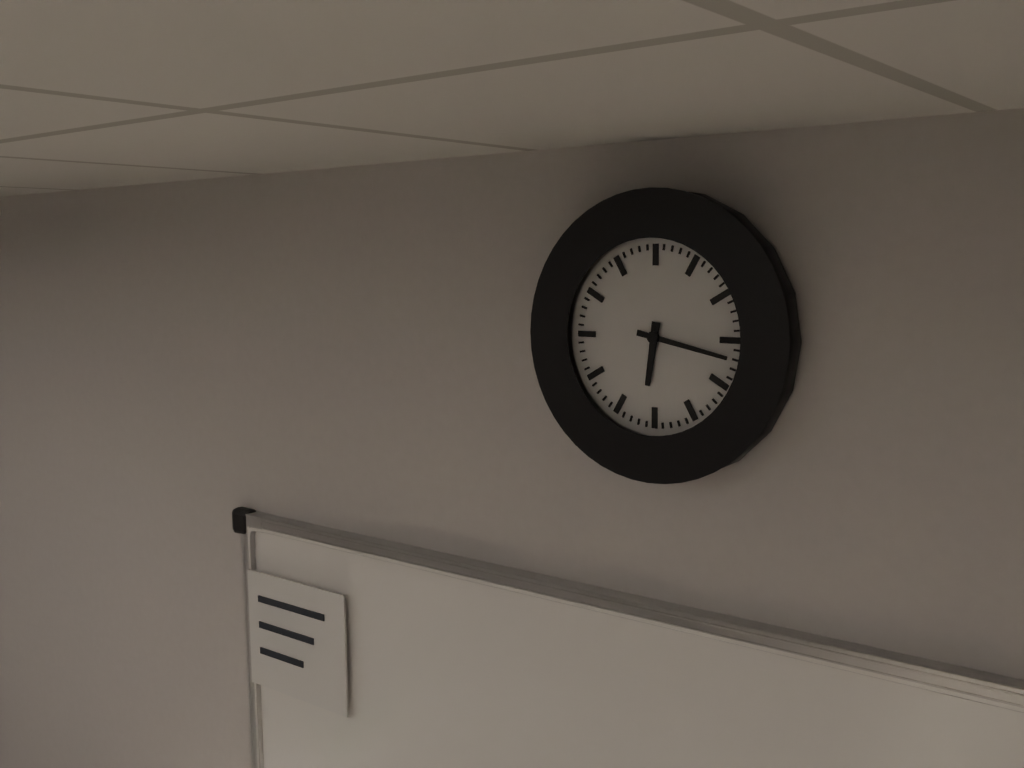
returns {"hour": 6, "minute": 17}
